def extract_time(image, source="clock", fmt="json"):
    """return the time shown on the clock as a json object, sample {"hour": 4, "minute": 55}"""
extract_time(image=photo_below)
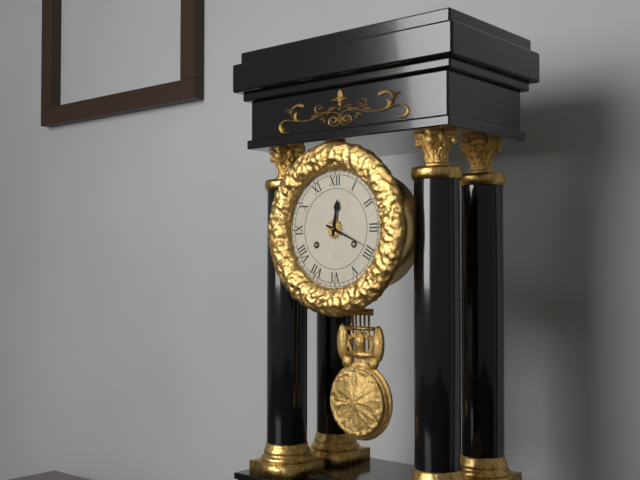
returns {"hour": 12, "minute": 19}
